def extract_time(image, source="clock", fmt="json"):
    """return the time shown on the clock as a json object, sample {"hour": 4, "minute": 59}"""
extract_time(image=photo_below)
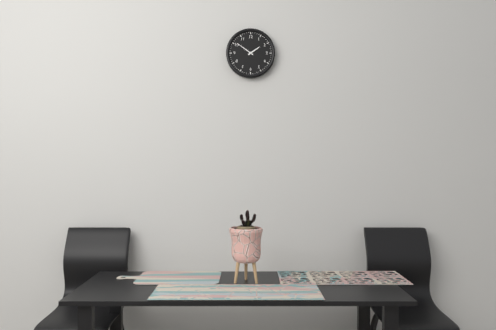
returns {"hour": 1, "minute": 51}
